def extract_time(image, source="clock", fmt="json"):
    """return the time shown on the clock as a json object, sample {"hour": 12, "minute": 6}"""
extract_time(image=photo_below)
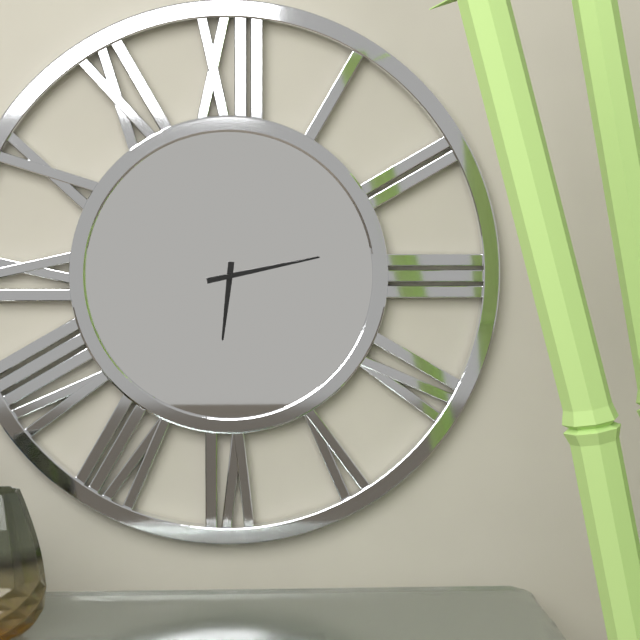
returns {"hour": 6, "minute": 13}
